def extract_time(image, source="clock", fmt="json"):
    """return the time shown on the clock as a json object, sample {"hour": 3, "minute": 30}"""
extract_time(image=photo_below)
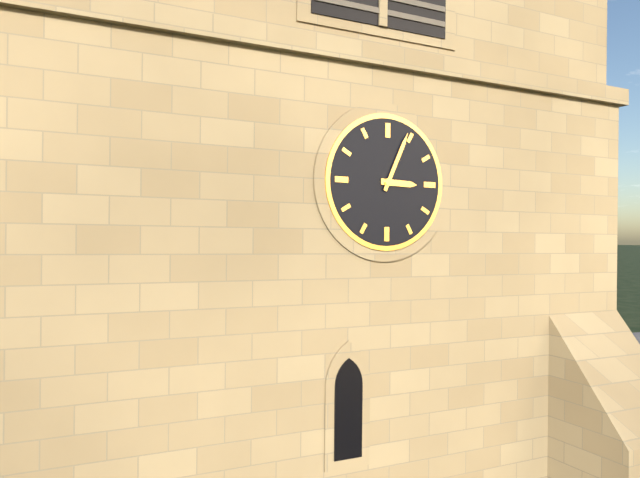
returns {"hour": 3, "minute": 4}
